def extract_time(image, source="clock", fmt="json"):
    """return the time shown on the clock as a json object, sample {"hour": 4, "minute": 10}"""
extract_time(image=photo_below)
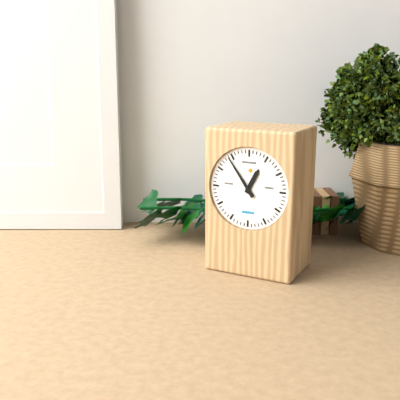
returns {"hour": 12, "minute": 54}
